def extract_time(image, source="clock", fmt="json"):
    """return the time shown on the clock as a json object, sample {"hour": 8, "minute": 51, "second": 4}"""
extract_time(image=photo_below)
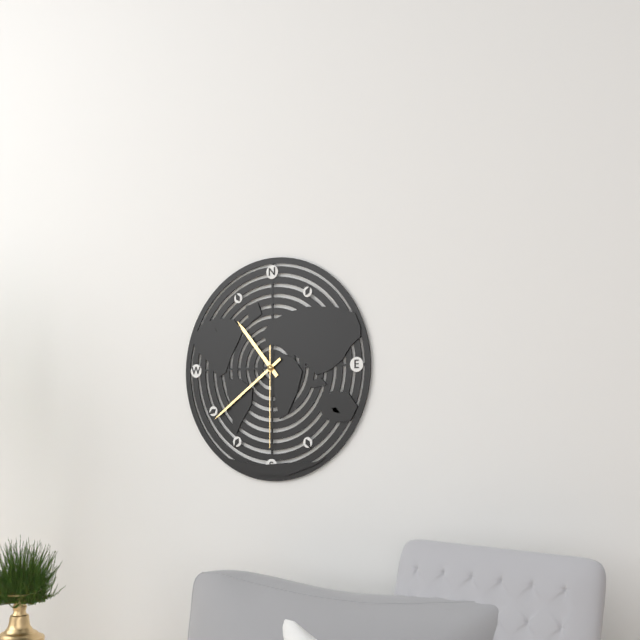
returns {"hour": 10, "minute": 39, "second": 30}
